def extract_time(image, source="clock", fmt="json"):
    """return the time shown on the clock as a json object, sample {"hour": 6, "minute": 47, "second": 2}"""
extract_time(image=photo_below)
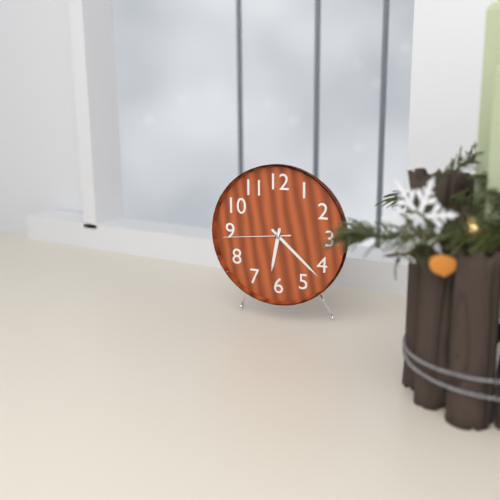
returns {"hour": 6, "minute": 22, "second": 44}
